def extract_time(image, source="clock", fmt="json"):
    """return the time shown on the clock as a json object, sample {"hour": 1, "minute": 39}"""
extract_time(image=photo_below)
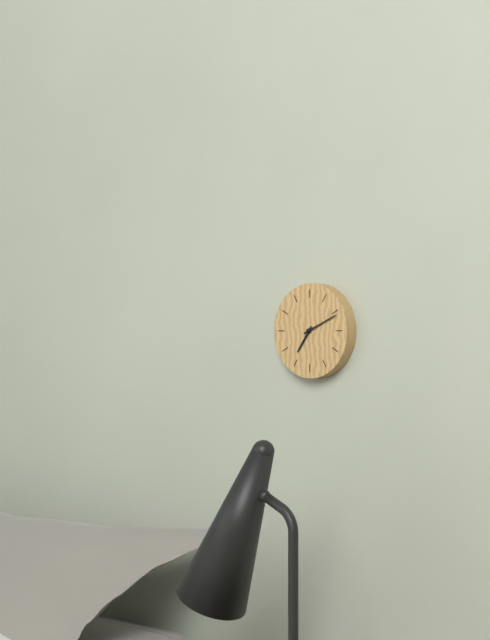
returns {"hour": 7, "minute": 11}
